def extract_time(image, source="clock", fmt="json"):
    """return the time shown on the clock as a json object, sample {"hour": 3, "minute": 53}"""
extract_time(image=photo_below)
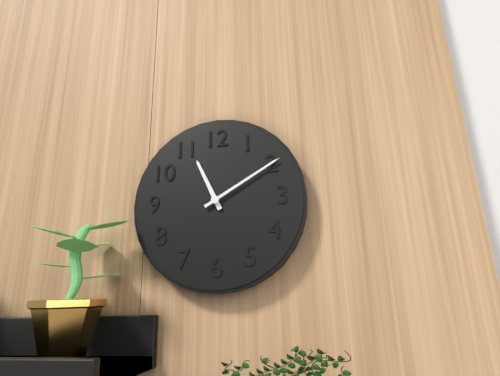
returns {"hour": 11, "minute": 10}
